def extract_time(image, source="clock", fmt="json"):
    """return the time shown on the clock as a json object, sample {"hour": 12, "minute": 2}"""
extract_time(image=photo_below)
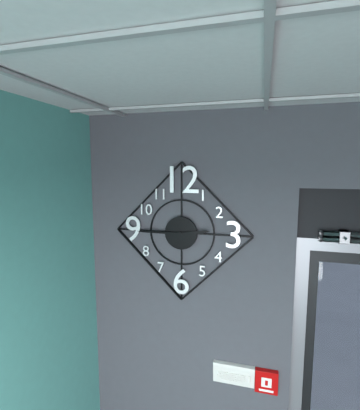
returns {"hour": 2, "minute": 45}
